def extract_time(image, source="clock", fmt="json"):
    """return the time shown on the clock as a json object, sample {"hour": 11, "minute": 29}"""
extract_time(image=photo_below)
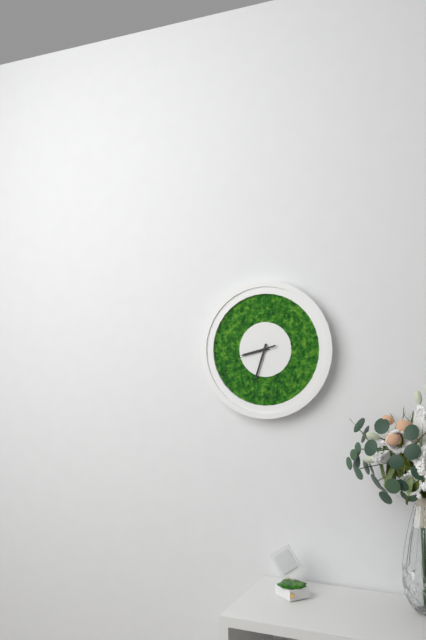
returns {"hour": 8, "minute": 33}
